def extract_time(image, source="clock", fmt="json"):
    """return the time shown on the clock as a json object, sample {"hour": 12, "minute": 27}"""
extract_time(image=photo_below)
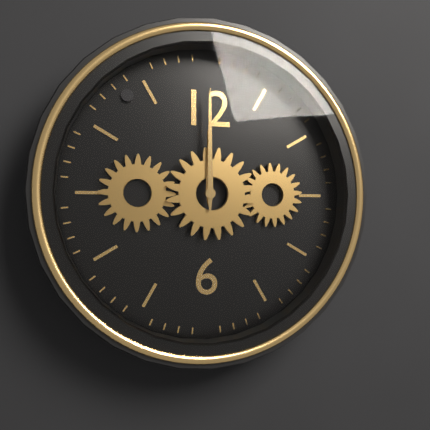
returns {"hour": 12, "minute": 0}
